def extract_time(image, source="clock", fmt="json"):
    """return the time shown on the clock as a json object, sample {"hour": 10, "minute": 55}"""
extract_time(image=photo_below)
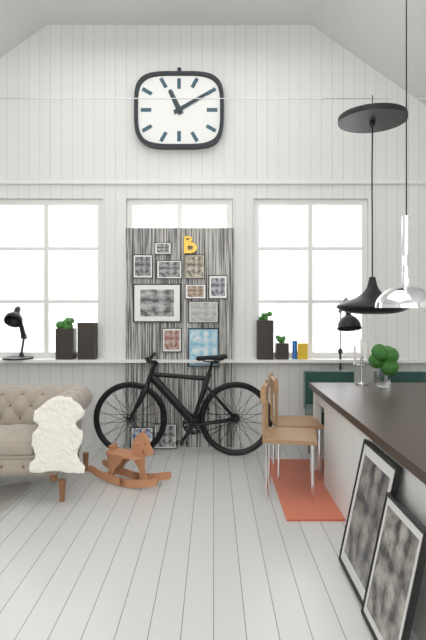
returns {"hour": 11, "minute": 10}
